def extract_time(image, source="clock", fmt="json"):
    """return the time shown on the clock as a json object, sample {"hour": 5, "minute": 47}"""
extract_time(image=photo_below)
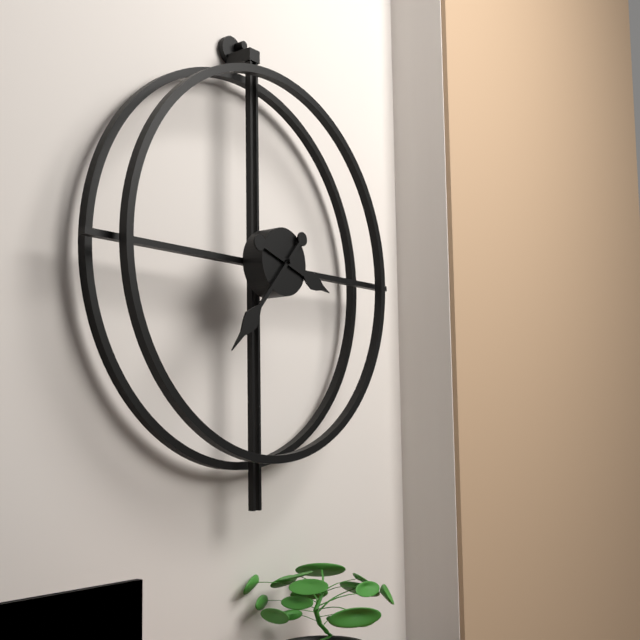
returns {"hour": 3, "minute": 37}
